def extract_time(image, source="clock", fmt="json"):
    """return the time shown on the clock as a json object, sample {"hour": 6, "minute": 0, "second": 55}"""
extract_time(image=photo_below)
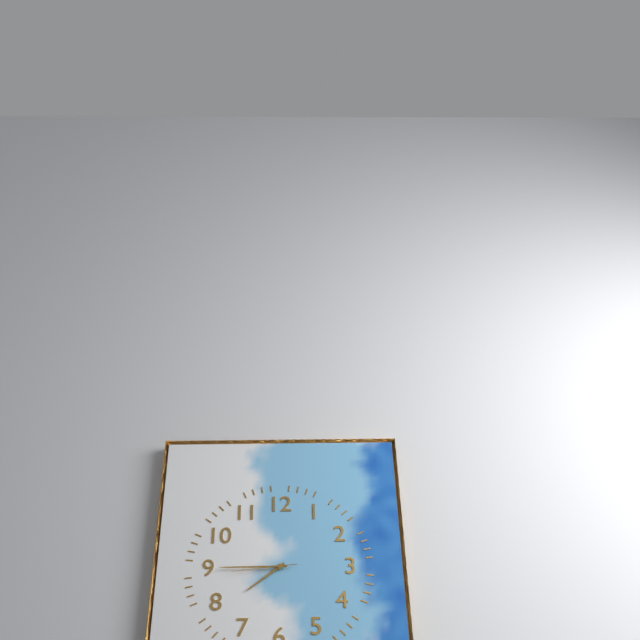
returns {"hour": 7, "minute": 45, "second": 44}
